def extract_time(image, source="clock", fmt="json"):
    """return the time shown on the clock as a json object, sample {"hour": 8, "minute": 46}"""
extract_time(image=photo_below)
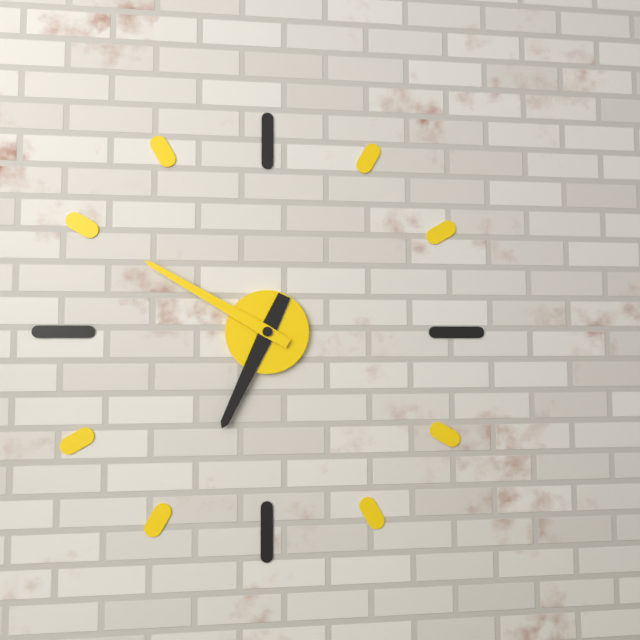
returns {"hour": 6, "minute": 50}
